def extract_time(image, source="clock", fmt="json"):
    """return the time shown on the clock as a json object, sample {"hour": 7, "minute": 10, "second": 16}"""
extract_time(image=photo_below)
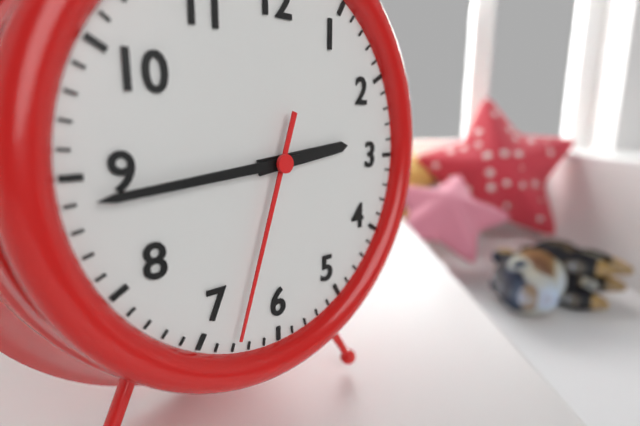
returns {"hour": 2, "minute": 44, "second": 33}
